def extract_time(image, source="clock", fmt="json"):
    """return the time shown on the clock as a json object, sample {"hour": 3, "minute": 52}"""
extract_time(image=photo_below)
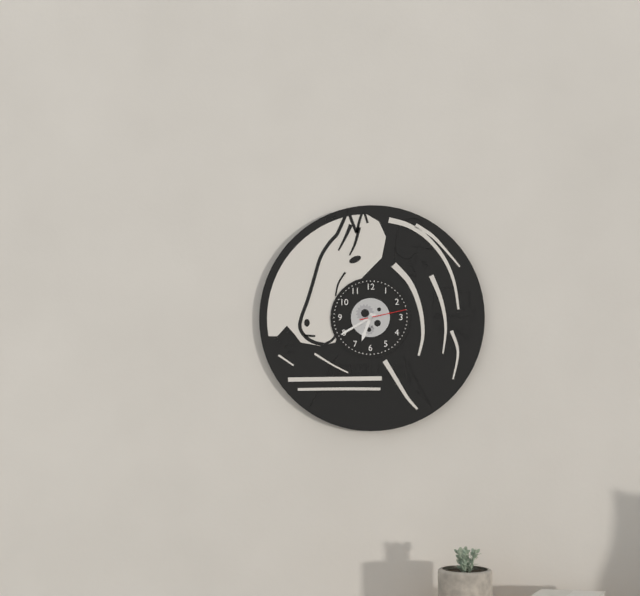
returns {"hour": 6, "minute": 40}
